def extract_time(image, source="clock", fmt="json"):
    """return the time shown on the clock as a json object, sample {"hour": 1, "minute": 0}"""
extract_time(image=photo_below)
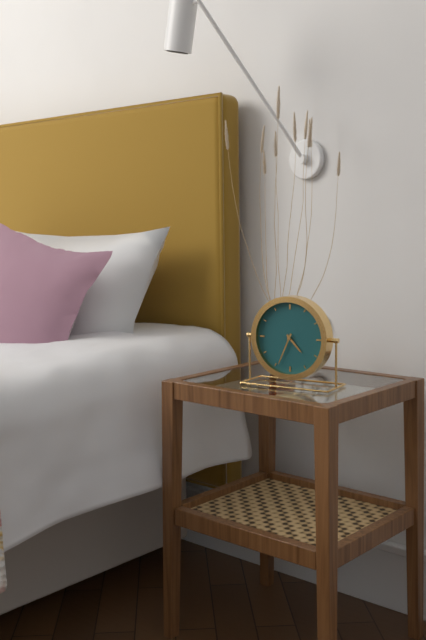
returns {"hour": 4, "minute": 34}
